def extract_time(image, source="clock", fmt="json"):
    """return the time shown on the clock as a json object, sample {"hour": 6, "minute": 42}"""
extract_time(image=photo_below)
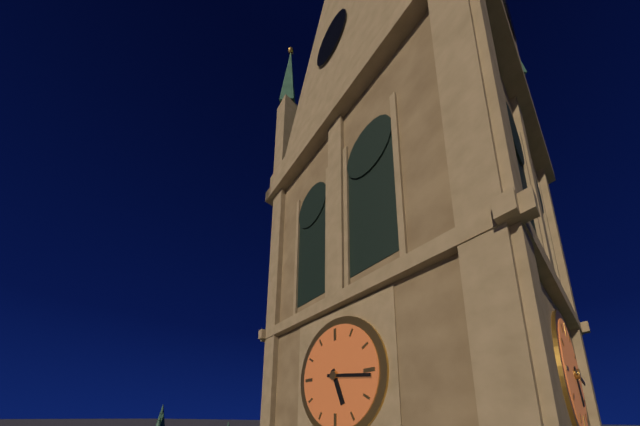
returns {"hour": 5, "minute": 16}
